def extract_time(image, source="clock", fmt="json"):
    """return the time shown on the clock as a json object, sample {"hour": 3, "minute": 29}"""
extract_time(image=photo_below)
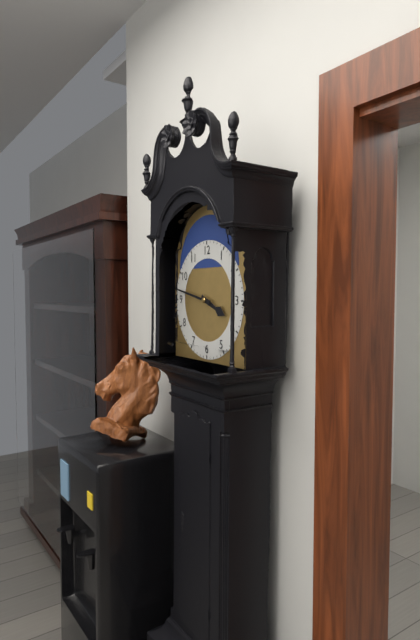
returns {"hour": 3, "minute": 47}
